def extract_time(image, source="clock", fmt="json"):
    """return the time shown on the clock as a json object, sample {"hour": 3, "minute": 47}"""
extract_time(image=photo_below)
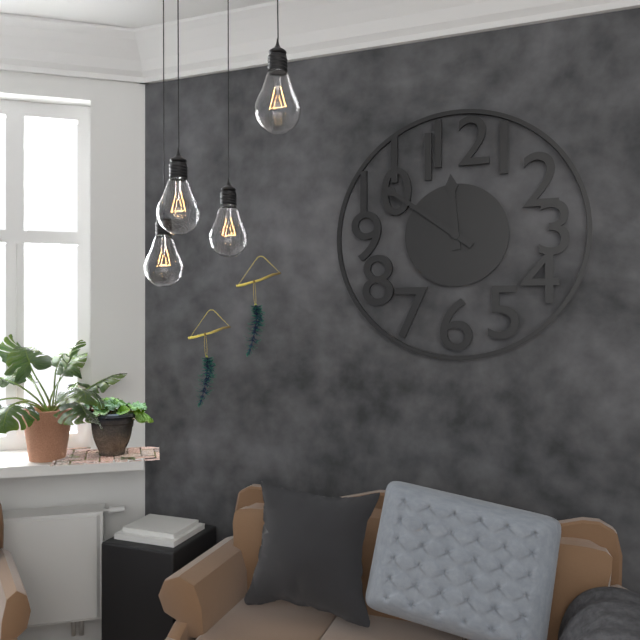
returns {"hour": 11, "minute": 51}
